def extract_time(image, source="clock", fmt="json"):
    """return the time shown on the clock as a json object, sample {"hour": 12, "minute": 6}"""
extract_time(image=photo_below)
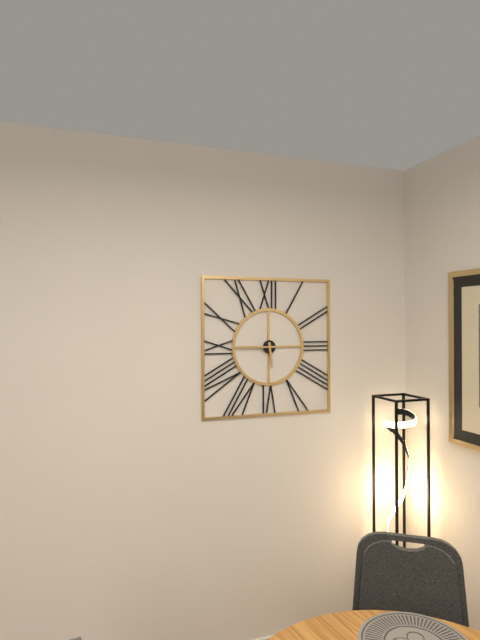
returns {"hour": 5, "minute": 45}
